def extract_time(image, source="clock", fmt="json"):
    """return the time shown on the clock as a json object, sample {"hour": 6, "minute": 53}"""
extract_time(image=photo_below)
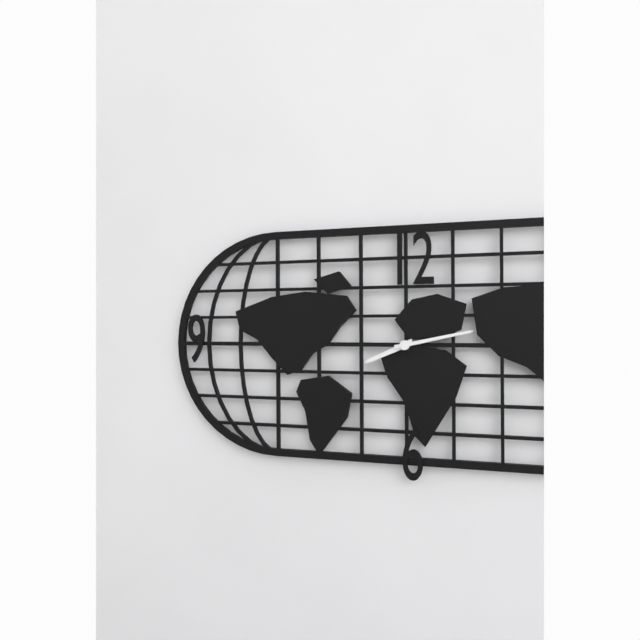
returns {"hour": 8, "minute": 13}
